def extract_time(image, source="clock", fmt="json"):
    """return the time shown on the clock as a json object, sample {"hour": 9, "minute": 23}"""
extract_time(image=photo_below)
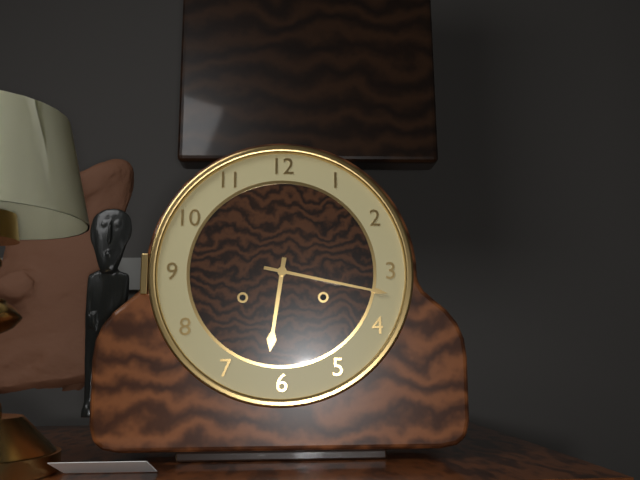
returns {"hour": 6, "minute": 17}
